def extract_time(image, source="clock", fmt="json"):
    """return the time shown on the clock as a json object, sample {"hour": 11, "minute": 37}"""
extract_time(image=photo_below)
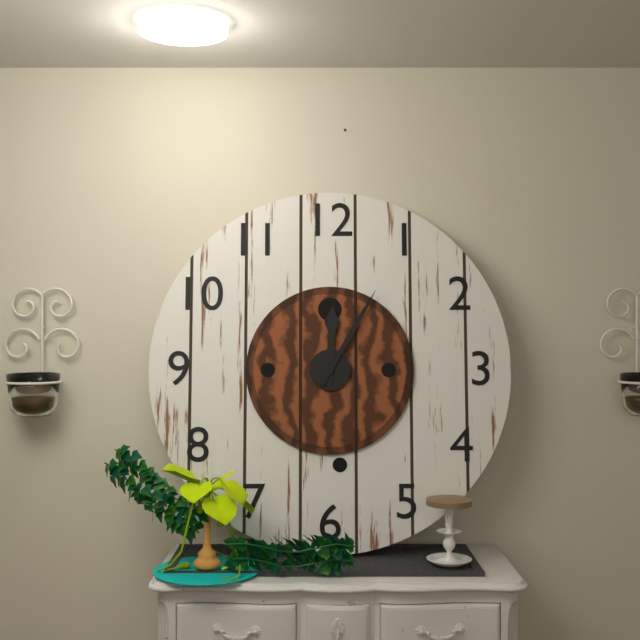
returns {"hour": 12, "minute": 5}
